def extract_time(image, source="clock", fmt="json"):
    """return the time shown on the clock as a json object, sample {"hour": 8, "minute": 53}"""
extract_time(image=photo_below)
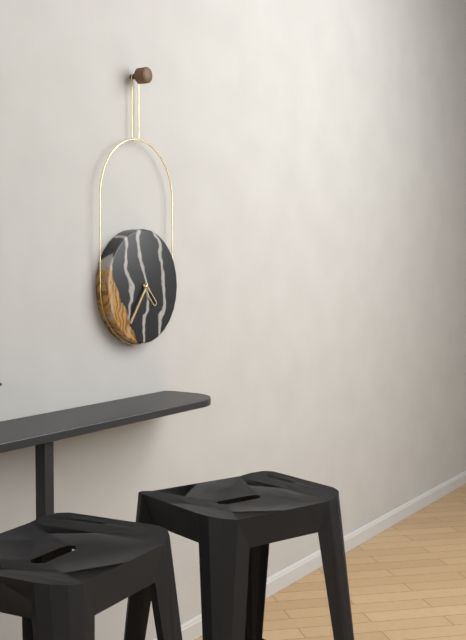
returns {"hour": 4, "minute": 36}
